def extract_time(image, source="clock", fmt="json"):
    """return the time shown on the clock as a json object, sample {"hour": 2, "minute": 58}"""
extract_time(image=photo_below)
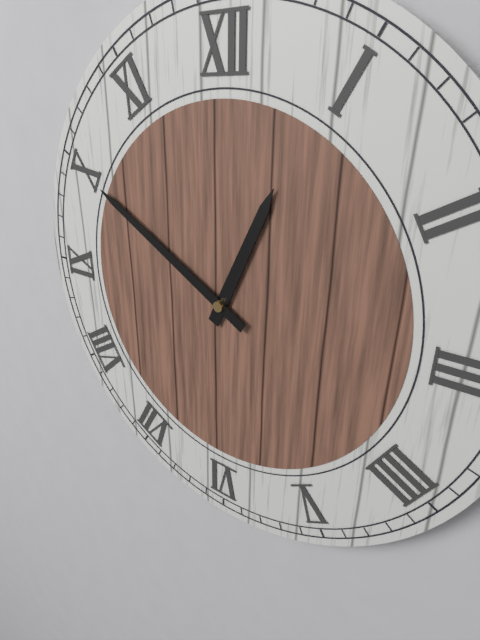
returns {"hour": 12, "minute": 50}
